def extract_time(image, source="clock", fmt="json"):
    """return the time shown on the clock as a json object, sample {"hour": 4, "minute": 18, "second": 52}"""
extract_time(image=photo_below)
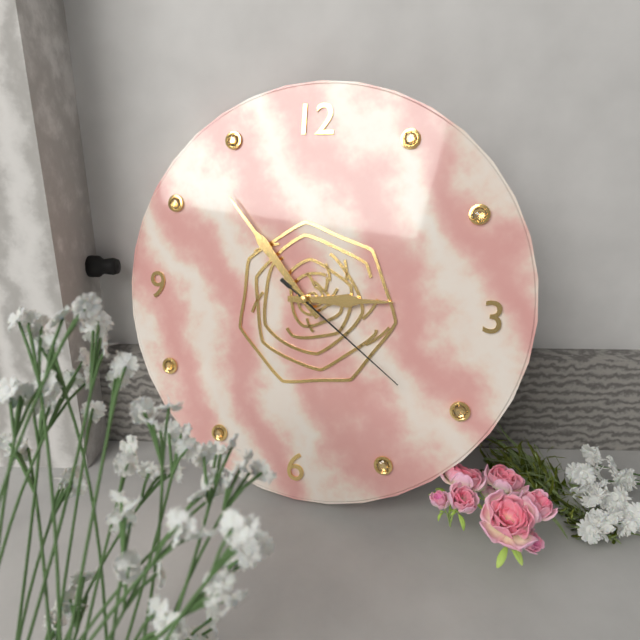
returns {"hour": 2, "minute": 53, "second": 21}
